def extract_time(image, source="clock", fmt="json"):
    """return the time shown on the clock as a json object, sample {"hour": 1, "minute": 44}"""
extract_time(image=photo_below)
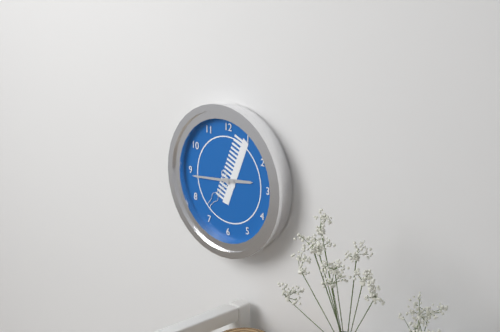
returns {"hour": 2, "minute": 44}
